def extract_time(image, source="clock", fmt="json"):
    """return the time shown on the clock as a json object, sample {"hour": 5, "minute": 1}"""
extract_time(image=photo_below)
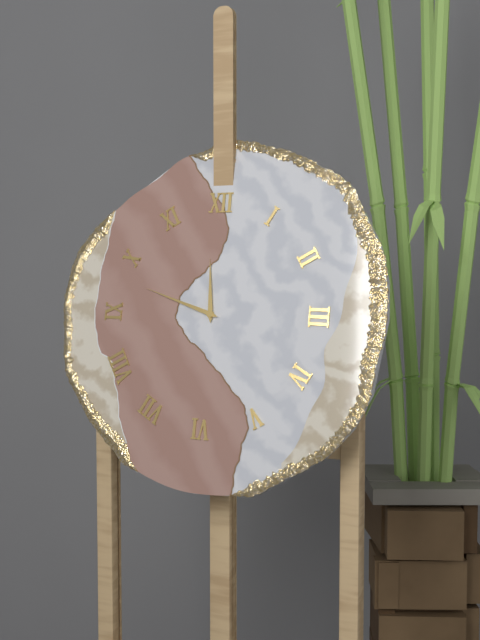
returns {"hour": 11, "minute": 48}
